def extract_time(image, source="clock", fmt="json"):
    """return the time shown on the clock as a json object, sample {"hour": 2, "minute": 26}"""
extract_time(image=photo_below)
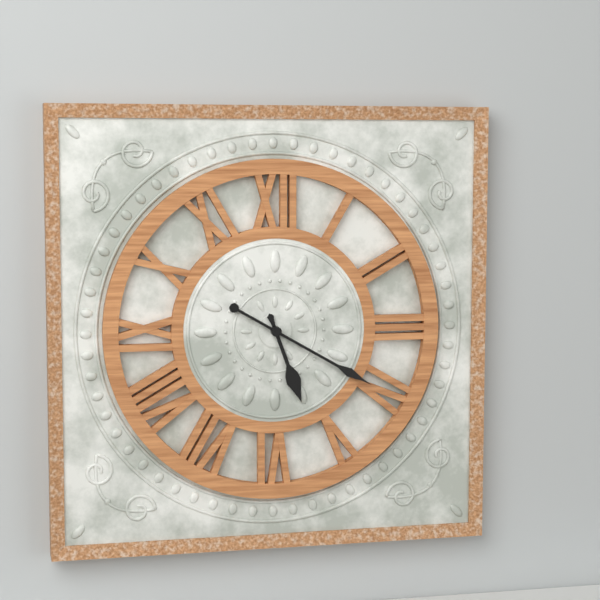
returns {"hour": 5, "minute": 20}
